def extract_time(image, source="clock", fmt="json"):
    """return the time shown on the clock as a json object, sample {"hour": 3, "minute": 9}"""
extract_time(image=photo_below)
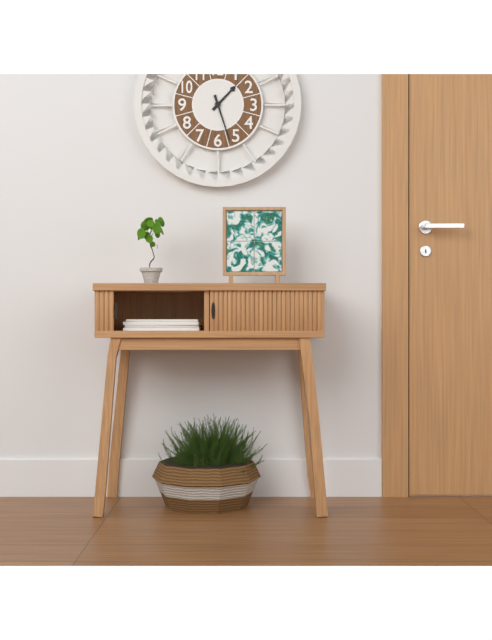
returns {"hour": 1, "minute": 27}
